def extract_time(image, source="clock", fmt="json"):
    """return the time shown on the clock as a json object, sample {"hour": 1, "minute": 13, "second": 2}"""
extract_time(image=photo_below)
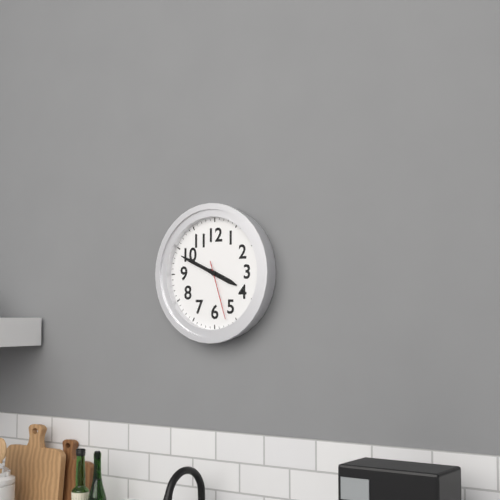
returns {"hour": 3, "minute": 49, "second": 27}
